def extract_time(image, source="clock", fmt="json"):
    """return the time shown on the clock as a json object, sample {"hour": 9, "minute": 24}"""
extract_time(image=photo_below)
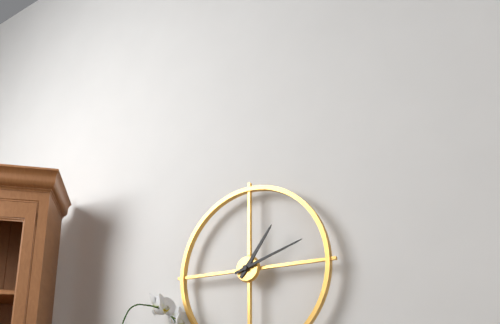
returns {"hour": 1, "minute": 12}
